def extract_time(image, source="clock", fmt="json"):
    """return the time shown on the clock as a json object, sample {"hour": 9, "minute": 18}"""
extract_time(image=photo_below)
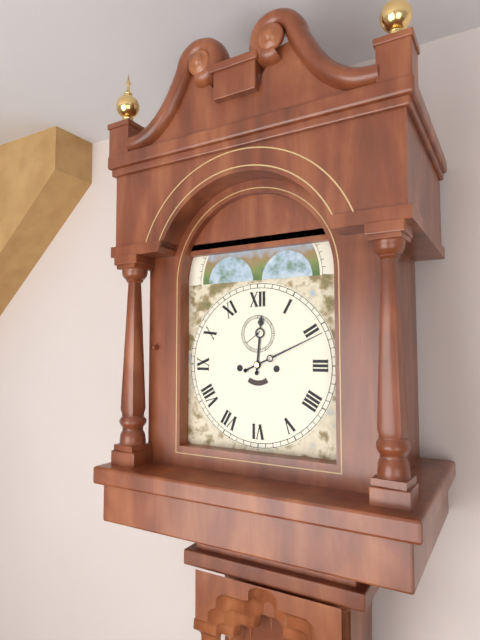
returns {"hour": 12, "minute": 11}
